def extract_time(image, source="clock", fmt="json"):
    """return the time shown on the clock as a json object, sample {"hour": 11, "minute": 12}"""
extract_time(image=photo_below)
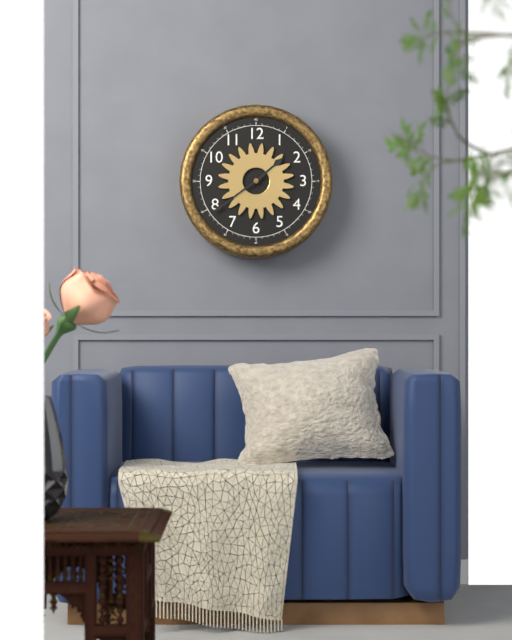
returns {"hour": 1, "minute": 39}
